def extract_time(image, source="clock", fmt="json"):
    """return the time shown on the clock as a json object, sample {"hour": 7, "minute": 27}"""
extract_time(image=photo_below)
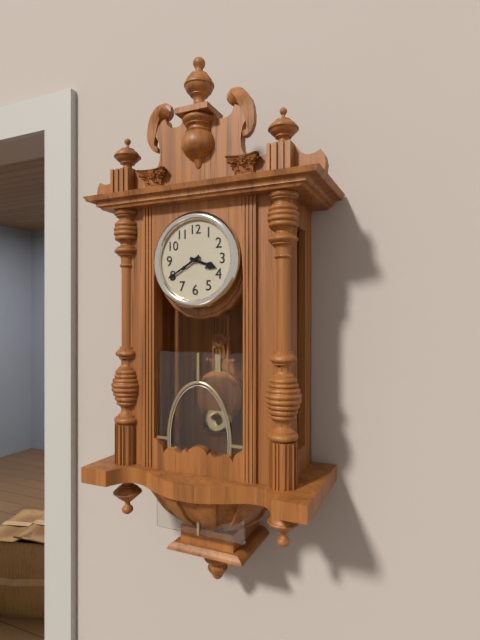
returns {"hour": 3, "minute": 40}
